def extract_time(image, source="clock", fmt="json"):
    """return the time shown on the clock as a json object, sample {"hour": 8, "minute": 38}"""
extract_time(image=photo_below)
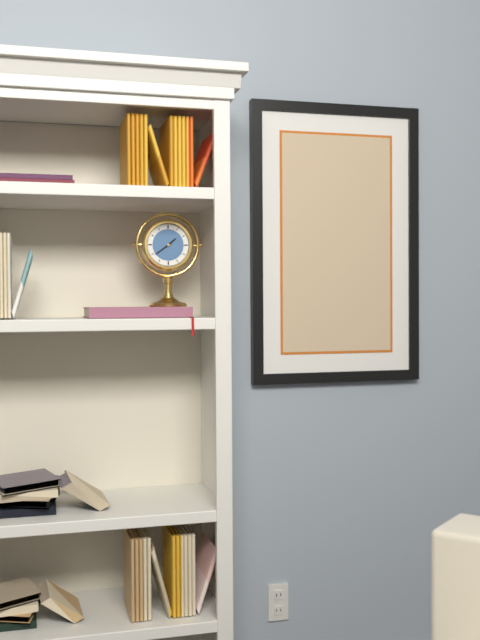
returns {"hour": 1, "minute": 39}
